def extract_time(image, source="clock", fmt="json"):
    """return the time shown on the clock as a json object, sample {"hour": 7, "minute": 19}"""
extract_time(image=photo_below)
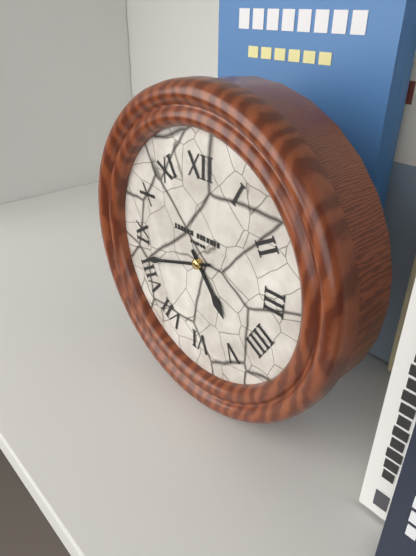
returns {"hour": 4, "minute": 42}
